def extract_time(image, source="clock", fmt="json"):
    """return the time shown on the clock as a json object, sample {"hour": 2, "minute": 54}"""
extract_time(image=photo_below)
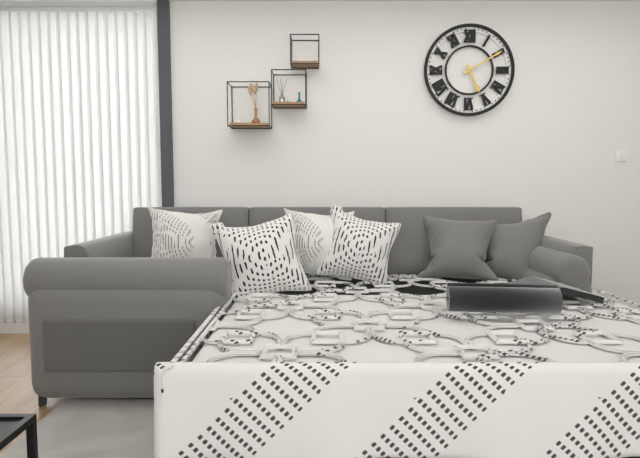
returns {"hour": 5, "minute": 10}
